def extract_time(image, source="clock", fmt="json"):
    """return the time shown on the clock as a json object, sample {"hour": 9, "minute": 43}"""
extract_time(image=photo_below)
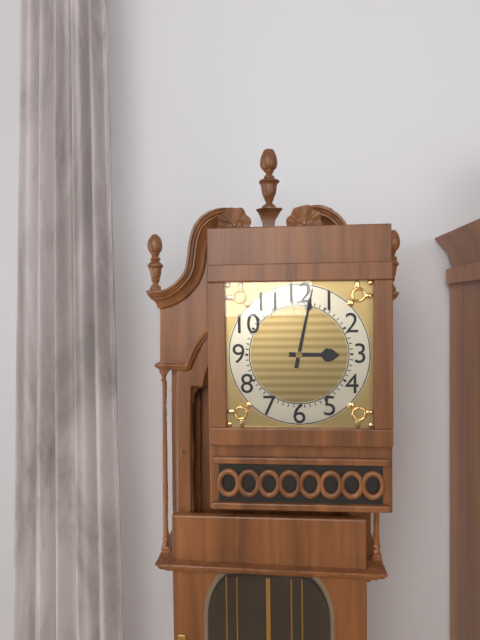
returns {"hour": 3, "minute": 2}
